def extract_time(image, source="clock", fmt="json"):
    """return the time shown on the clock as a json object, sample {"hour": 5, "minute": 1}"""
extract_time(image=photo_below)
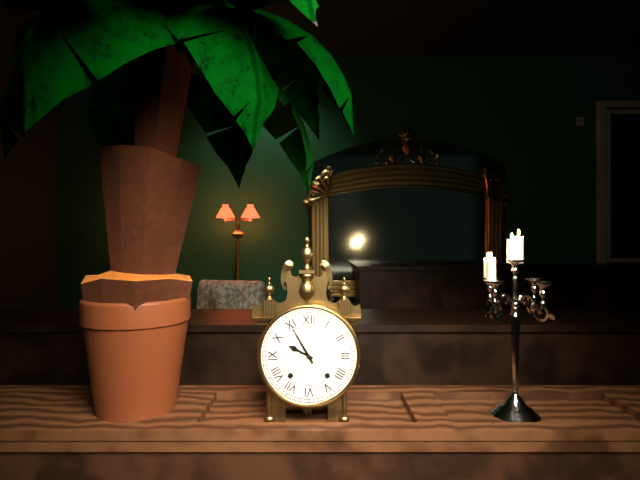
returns {"hour": 9, "minute": 55}
